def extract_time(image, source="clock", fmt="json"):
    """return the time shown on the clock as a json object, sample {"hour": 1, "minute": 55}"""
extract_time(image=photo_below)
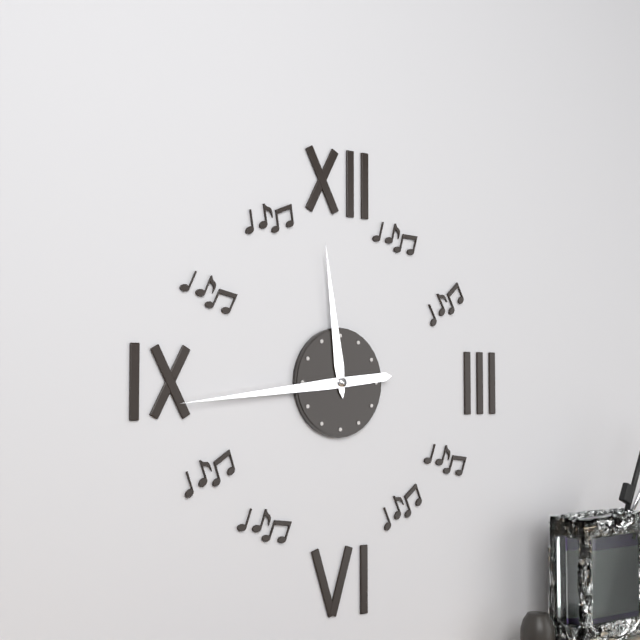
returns {"hour": 11, "minute": 44}
